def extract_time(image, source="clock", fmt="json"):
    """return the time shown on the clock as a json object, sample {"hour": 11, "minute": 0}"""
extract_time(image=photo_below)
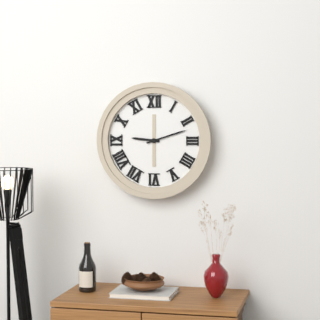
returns {"hour": 9, "minute": 12}
